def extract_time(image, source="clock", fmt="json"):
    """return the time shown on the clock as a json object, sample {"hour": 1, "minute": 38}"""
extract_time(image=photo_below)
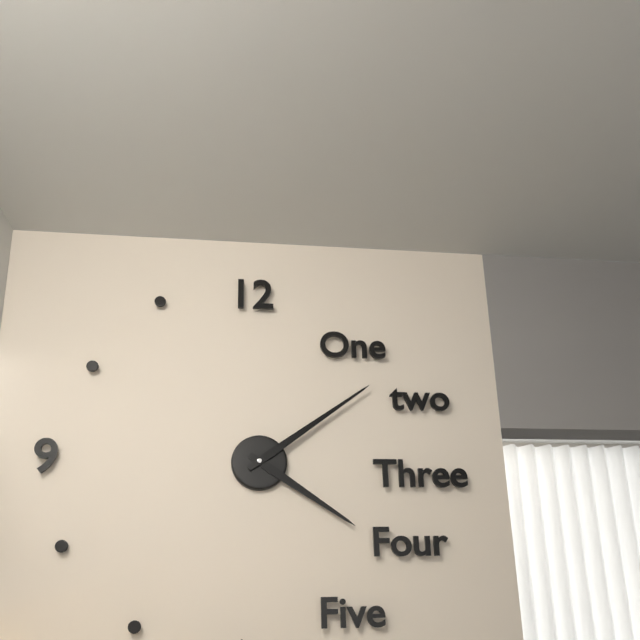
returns {"hour": 4, "minute": 9}
